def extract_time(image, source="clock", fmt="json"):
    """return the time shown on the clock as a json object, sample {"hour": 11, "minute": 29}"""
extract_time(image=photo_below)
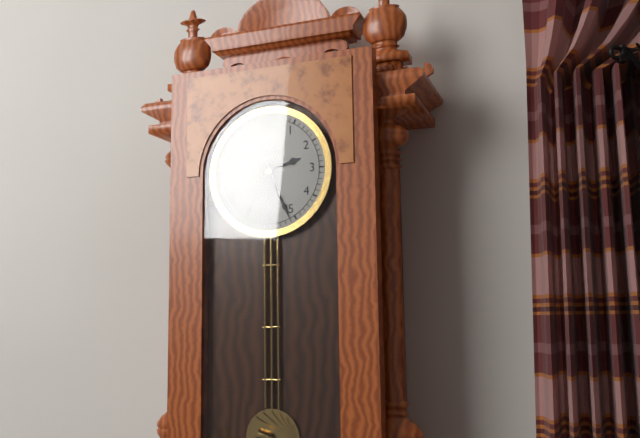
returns {"hour": 2, "minute": 26}
